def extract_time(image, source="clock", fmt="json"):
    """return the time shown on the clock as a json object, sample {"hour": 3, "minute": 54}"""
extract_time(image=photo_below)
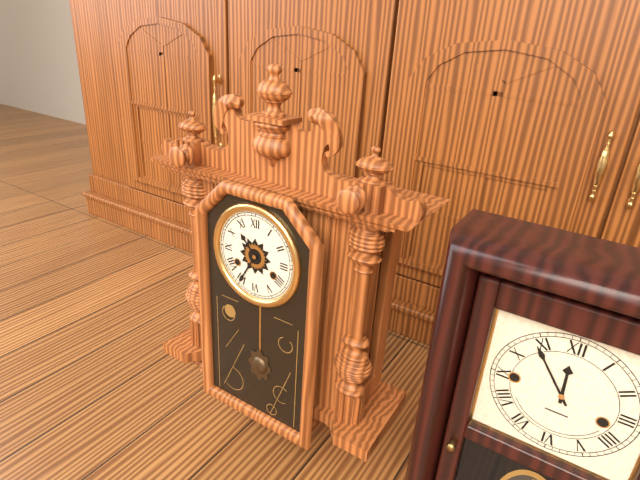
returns {"hour": 10, "minute": 35}
